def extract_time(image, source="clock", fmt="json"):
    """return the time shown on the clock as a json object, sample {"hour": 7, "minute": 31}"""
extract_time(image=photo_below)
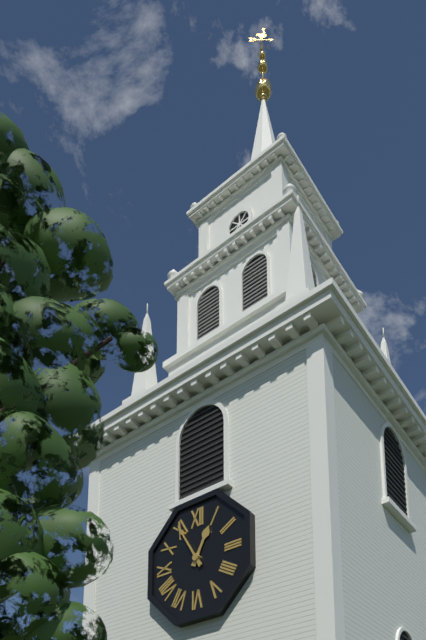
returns {"hour": 12, "minute": 55}
